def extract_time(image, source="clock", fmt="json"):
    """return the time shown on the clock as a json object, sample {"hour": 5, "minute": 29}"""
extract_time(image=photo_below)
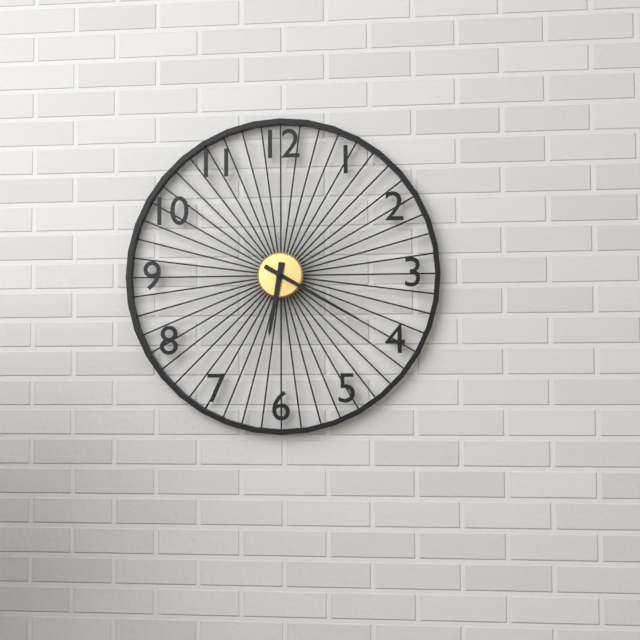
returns {"hour": 6, "minute": 20}
